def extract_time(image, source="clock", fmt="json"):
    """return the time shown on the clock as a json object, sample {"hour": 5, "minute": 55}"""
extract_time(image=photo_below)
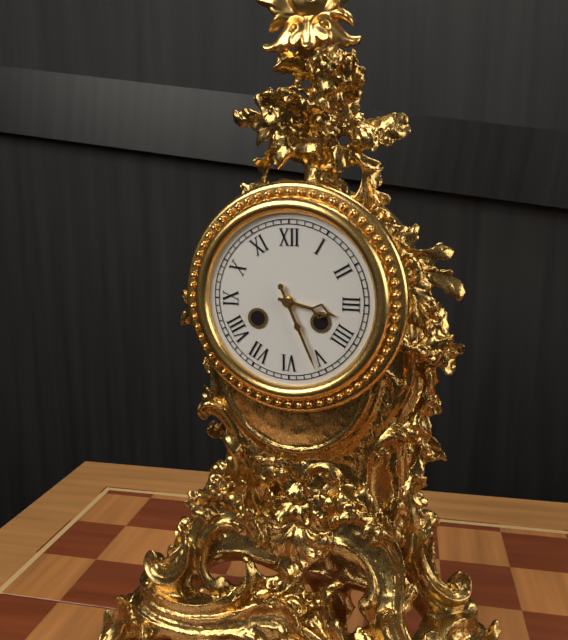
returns {"hour": 3, "minute": 26}
